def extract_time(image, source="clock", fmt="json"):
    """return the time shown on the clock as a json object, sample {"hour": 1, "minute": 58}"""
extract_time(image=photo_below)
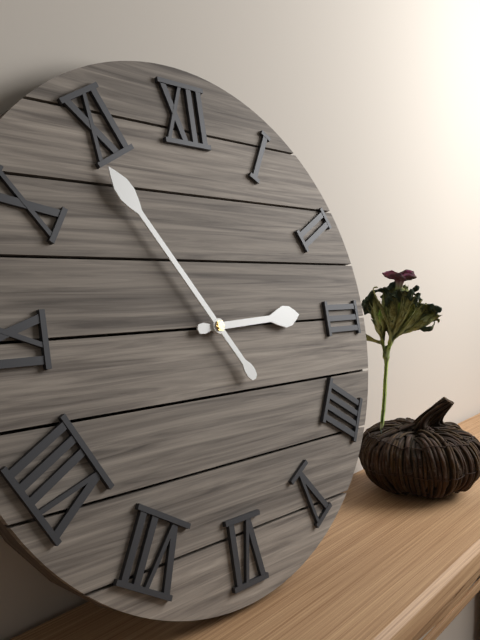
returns {"hour": 2, "minute": 54}
